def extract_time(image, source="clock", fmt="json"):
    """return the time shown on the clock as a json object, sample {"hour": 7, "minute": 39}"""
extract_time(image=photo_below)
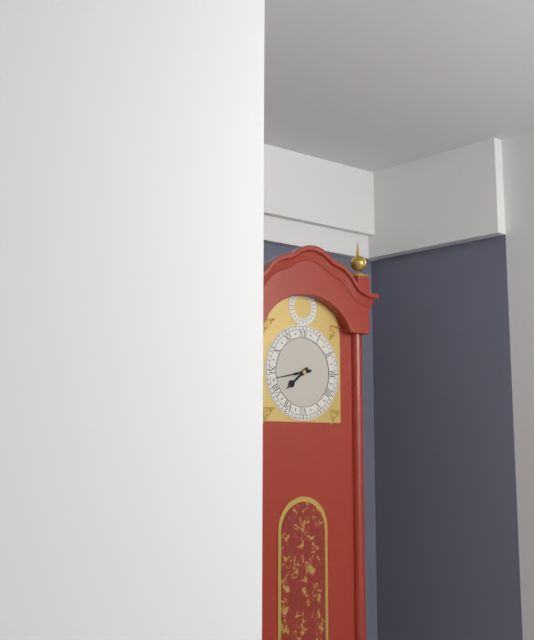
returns {"hour": 7, "minute": 43}
